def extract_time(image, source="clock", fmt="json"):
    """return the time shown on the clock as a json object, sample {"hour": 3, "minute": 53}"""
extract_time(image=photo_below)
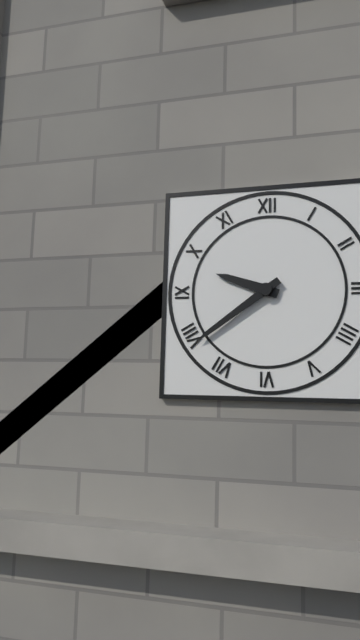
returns {"hour": 9, "minute": 39}
